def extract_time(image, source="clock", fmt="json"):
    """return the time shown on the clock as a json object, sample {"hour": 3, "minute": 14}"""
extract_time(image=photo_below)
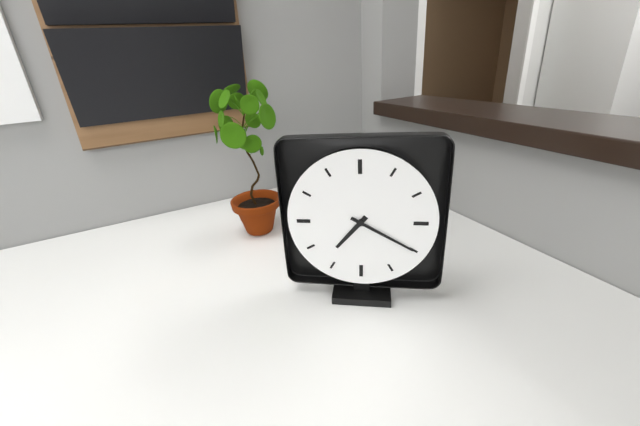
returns {"hour": 7, "minute": 20}
